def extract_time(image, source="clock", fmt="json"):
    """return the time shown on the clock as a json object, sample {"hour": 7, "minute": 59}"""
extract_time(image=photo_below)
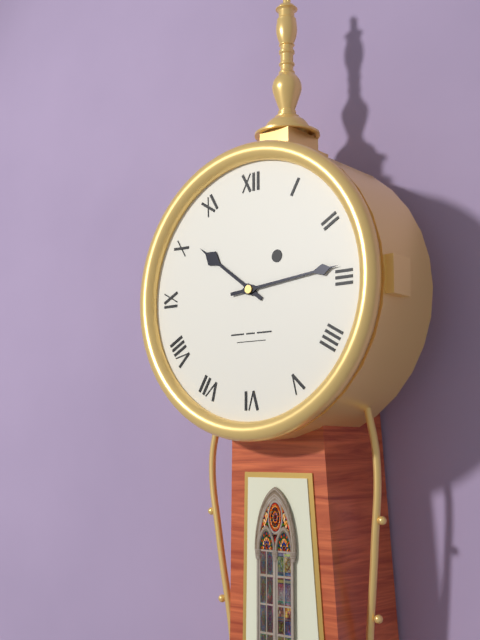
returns {"hour": 10, "minute": 14}
